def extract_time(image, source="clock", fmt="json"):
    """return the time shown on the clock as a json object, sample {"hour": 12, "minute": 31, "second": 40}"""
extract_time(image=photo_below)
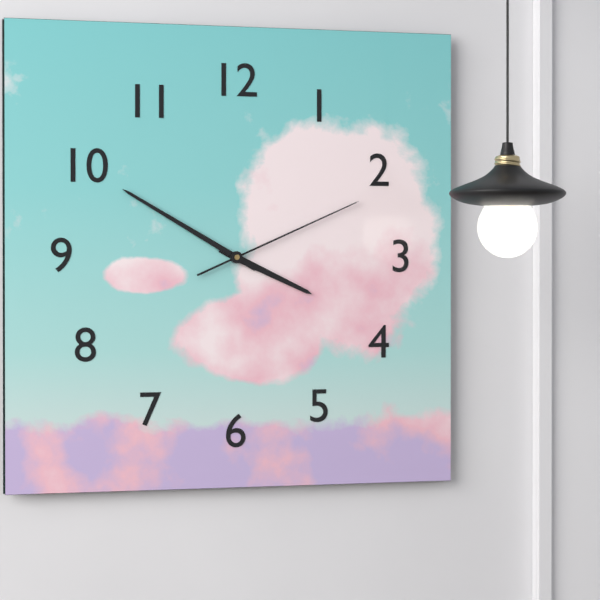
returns {"hour": 3, "minute": 50, "second": 11}
